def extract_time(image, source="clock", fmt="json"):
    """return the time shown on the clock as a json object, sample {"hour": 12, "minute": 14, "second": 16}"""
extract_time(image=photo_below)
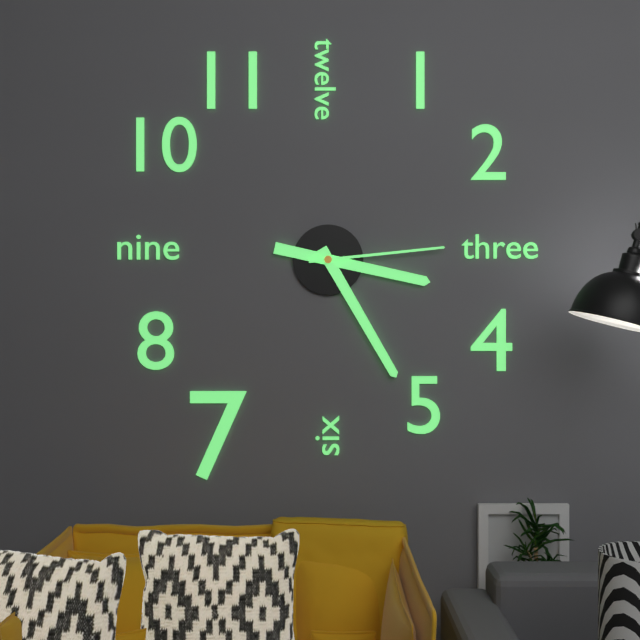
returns {"hour": 3, "minute": 25, "second": 14}
